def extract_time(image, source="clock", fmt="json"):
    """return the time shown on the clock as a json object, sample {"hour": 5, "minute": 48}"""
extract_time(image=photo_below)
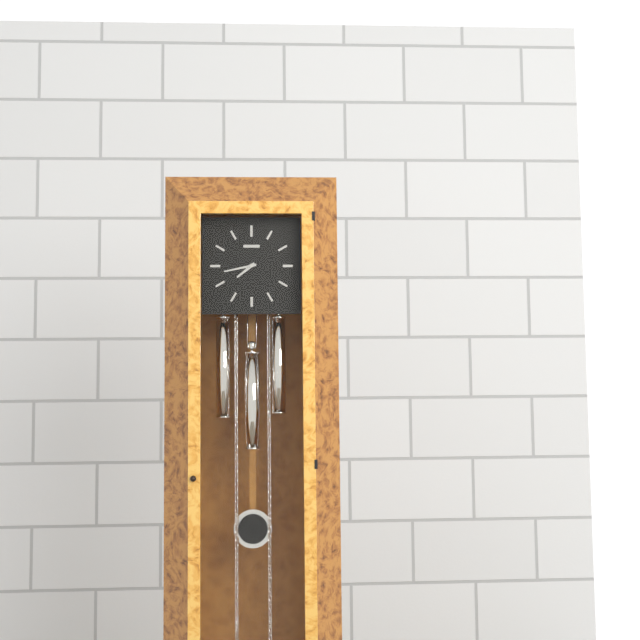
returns {"hour": 7, "minute": 43}
